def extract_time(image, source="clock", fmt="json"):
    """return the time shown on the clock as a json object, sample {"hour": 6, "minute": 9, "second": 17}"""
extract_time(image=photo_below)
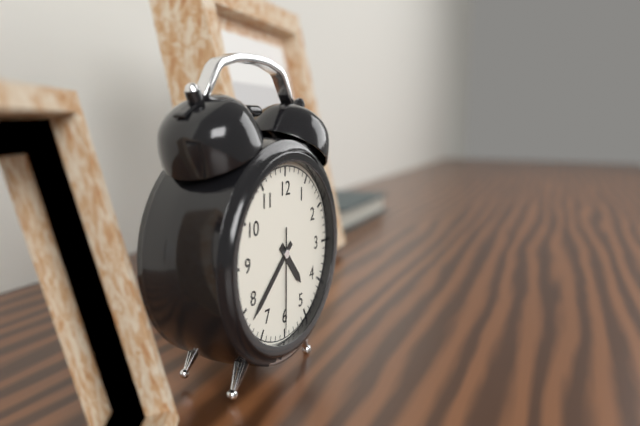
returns {"hour": 4, "minute": 38, "second": 30}
